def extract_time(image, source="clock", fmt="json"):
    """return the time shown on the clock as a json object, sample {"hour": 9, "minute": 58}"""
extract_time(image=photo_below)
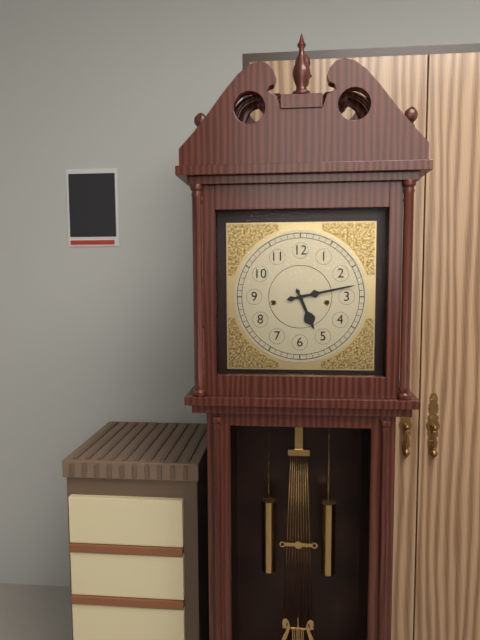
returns {"hour": 5, "minute": 13}
